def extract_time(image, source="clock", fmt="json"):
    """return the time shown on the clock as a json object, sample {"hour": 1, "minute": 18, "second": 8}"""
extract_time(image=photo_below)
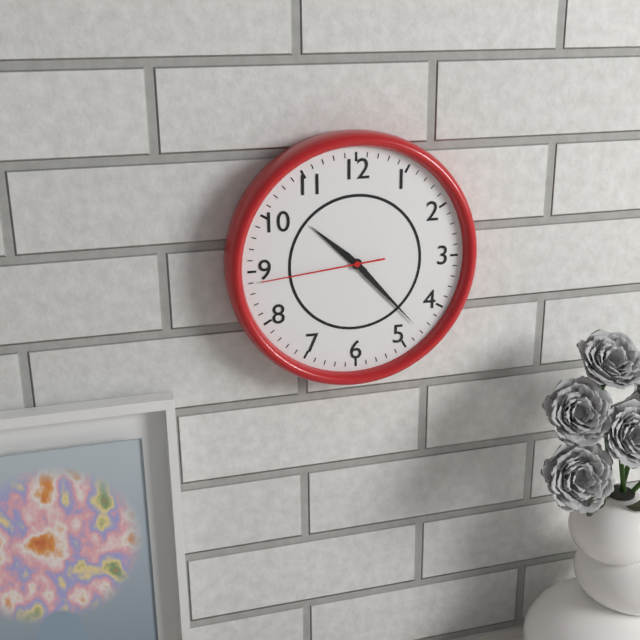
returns {"hour": 10, "minute": 23, "second": 44}
